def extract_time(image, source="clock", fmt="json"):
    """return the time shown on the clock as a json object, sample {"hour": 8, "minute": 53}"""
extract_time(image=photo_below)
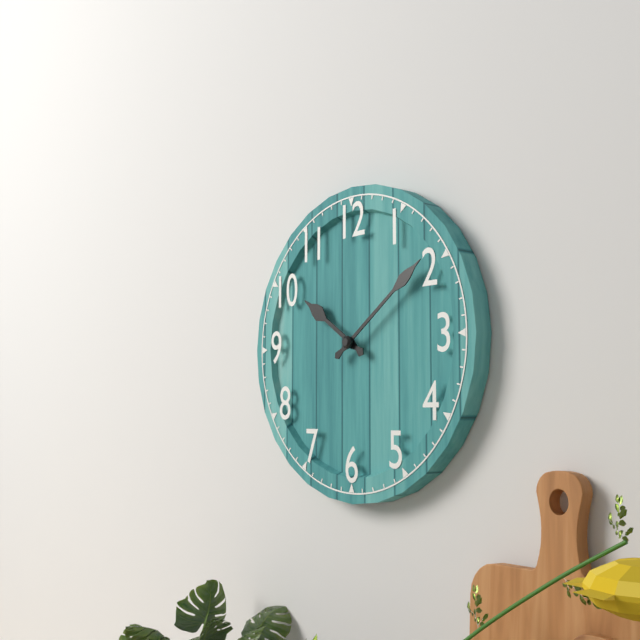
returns {"hour": 10, "minute": 9}
